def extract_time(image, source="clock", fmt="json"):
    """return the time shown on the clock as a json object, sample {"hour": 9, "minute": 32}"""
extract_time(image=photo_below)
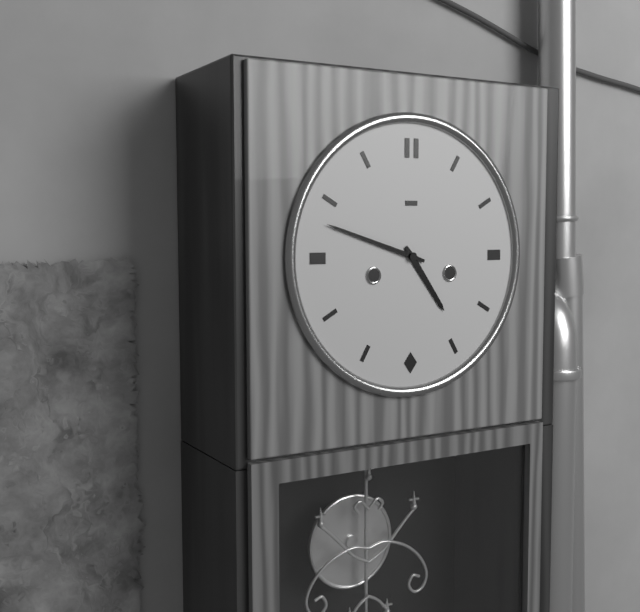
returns {"hour": 4, "minute": 48}
